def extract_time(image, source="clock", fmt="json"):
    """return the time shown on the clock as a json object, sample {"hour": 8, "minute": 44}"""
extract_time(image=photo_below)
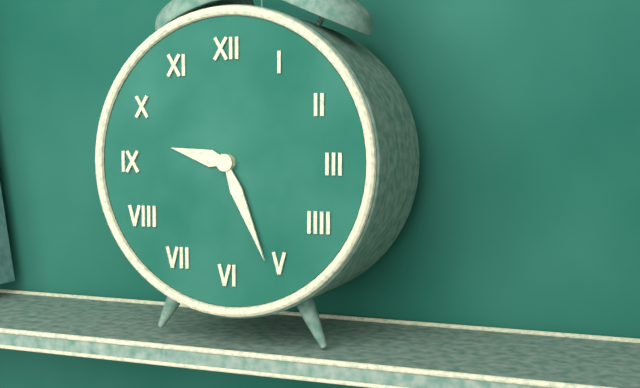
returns {"hour": 9, "minute": 26}
